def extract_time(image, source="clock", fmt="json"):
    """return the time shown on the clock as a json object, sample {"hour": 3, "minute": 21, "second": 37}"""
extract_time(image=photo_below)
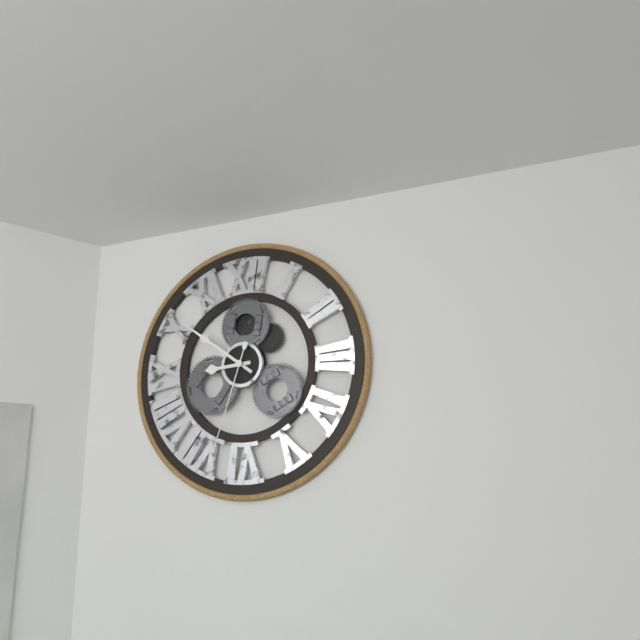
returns {"hour": 8, "minute": 51, "second": 33}
